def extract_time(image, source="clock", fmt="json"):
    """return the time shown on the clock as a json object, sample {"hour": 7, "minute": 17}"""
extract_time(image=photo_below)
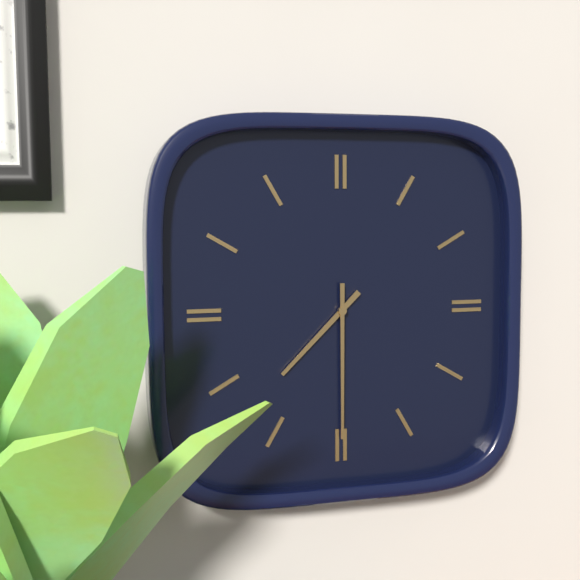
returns {"hour": 7, "minute": 30}
